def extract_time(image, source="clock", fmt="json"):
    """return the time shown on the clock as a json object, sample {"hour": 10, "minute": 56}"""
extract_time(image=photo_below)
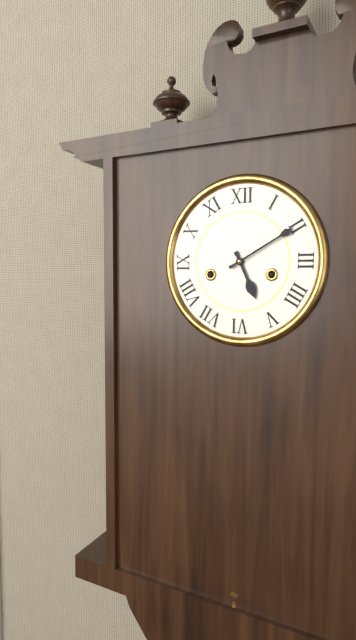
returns {"hour": 5, "minute": 10}
